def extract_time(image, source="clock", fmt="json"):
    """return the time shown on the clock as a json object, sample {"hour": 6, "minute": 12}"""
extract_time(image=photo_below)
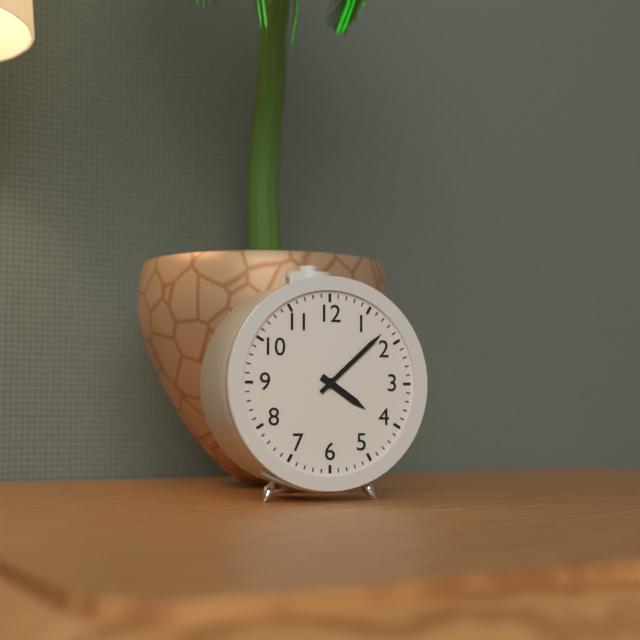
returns {"hour": 4, "minute": 8}
